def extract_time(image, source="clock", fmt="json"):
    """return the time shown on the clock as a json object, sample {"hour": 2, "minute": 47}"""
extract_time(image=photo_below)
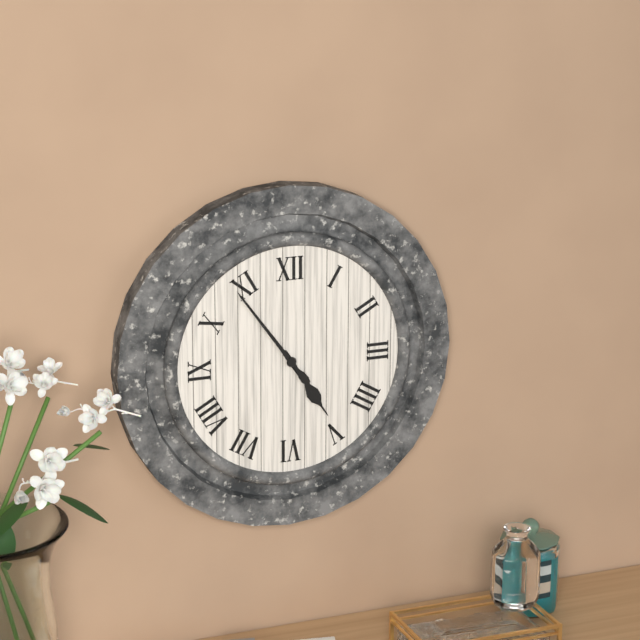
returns {"hour": 4, "minute": 54}
